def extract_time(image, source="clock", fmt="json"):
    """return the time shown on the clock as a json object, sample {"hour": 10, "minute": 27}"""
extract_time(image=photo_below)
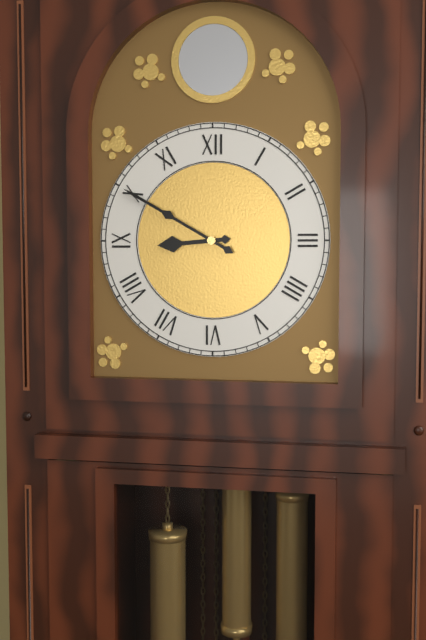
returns {"hour": 8, "minute": 50}
